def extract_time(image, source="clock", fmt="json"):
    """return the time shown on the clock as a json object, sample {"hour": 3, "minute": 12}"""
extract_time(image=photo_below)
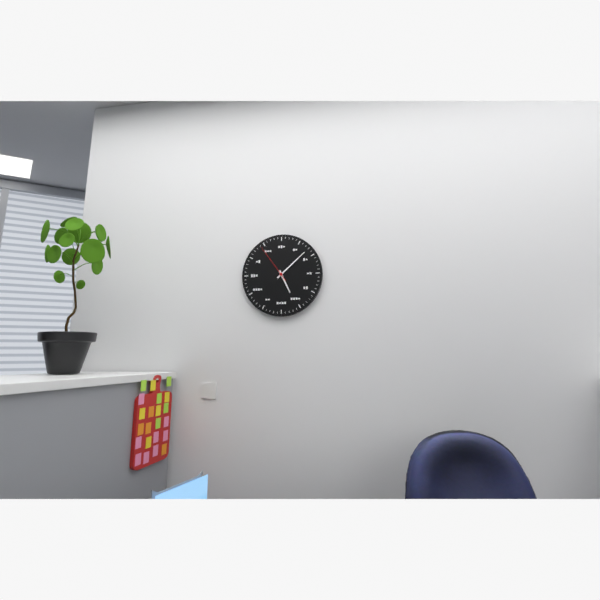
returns {"hour": 5, "minute": 8}
